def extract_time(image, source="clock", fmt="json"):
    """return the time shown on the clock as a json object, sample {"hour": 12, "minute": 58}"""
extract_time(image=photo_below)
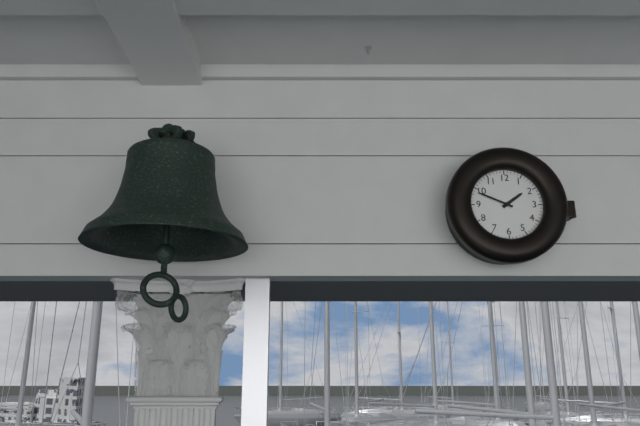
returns {"hour": 1, "minute": 49}
